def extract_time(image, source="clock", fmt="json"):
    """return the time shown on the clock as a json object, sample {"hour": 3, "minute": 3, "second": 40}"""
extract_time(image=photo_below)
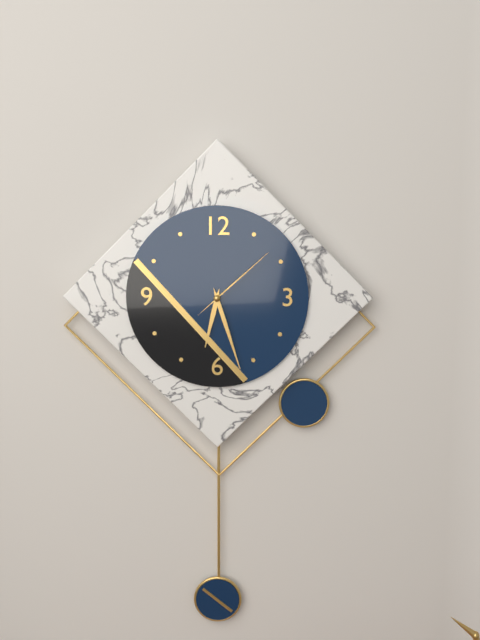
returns {"hour": 6, "minute": 27, "second": 8}
